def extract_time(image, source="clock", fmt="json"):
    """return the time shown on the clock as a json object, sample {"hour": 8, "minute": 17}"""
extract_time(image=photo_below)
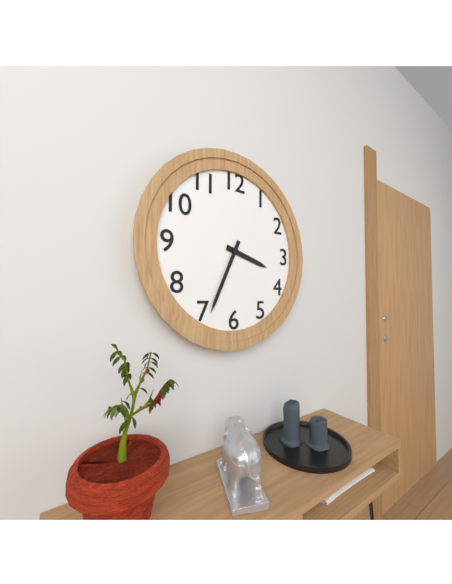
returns {"hour": 3, "minute": 34}
